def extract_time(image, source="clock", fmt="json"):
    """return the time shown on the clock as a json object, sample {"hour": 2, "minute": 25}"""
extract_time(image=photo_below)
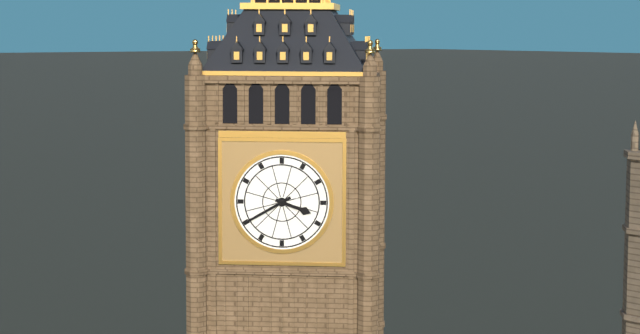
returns {"hour": 3, "minute": 40}
